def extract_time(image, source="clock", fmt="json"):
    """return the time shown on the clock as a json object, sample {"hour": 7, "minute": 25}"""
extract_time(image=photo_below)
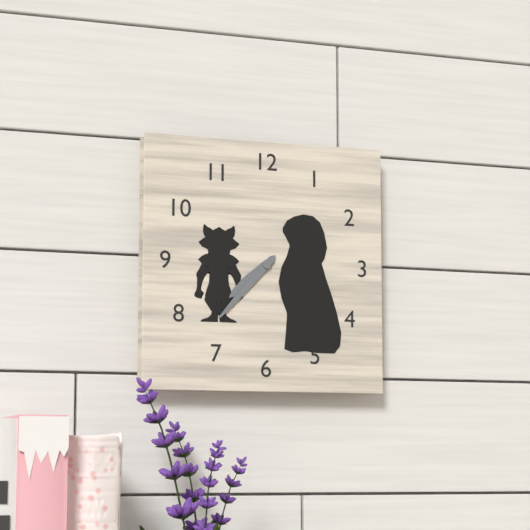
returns {"hour": 7, "minute": 37}
